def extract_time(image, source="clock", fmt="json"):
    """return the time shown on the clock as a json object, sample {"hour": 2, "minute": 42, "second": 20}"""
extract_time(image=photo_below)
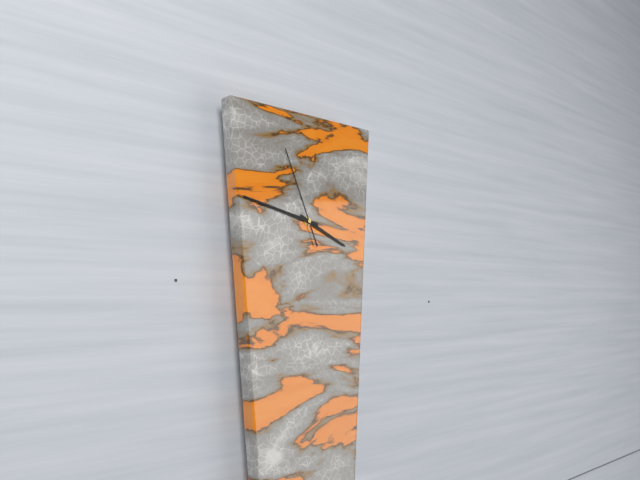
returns {"hour": 3, "minute": 47, "second": 56}
